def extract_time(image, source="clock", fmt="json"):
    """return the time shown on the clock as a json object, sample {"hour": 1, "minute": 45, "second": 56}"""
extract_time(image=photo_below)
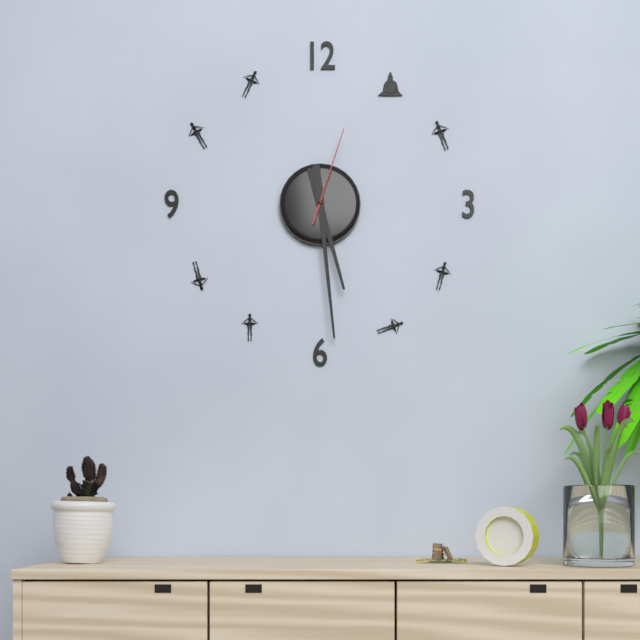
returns {"hour": 5, "minute": 29, "second": 3}
